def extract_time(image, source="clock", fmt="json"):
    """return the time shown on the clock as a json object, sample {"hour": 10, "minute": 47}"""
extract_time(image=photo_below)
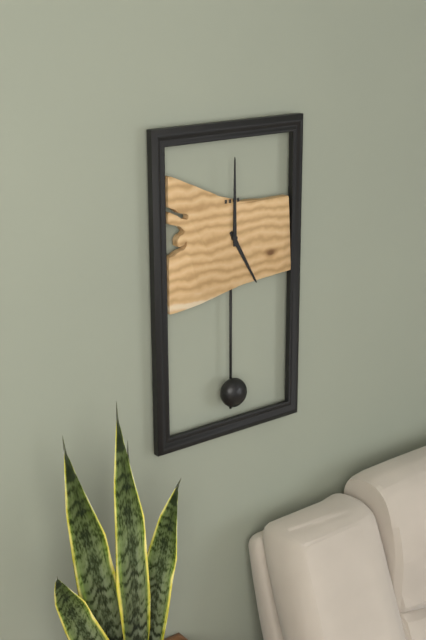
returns {"hour": 5, "minute": 0}
